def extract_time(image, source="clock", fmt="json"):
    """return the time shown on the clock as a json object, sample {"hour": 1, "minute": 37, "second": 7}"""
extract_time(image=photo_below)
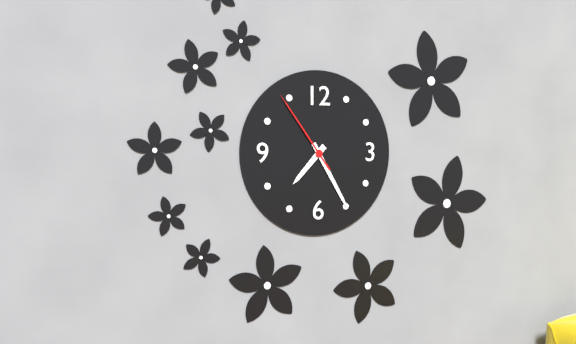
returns {"hour": 7, "minute": 25, "second": 54}
